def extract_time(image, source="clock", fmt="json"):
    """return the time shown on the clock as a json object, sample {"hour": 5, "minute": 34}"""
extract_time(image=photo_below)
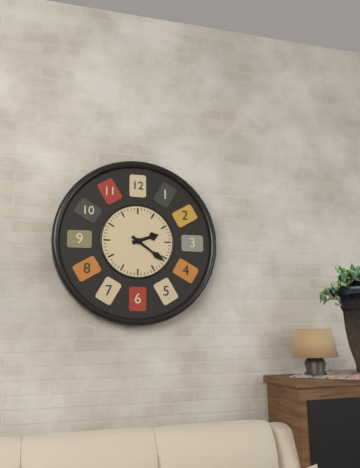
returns {"hour": 2, "minute": 21}
